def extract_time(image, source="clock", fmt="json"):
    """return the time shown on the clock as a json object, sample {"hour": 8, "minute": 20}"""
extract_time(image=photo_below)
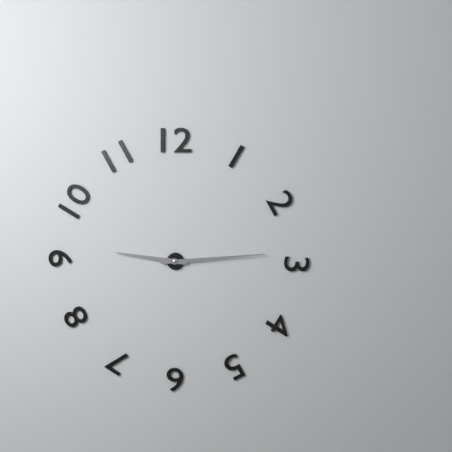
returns {"hour": 9, "minute": 14}
